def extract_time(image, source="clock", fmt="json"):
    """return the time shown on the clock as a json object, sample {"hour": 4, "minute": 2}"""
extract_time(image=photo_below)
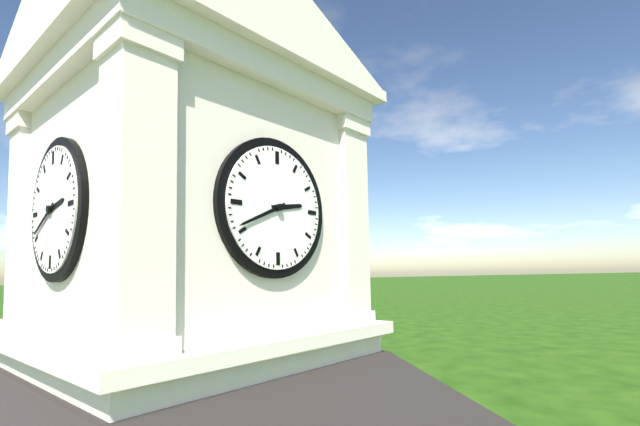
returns {"hour": 2, "minute": 41}
